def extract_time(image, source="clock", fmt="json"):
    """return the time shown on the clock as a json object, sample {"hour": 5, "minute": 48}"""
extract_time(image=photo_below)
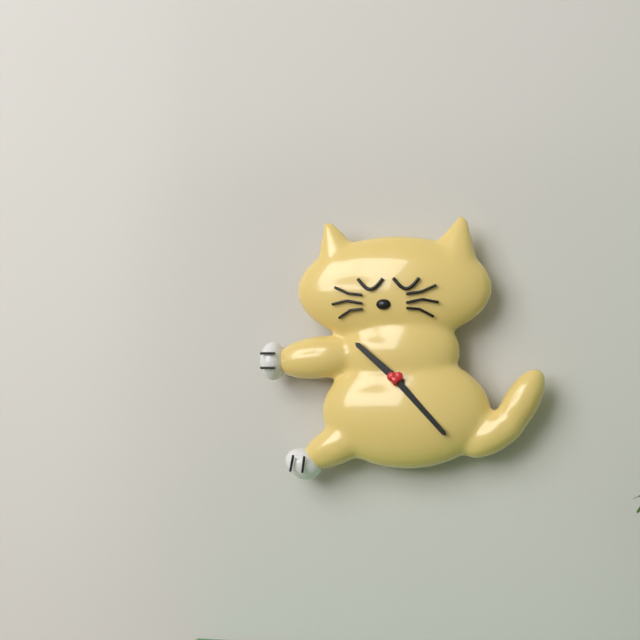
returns {"hour": 10, "minute": 23}
